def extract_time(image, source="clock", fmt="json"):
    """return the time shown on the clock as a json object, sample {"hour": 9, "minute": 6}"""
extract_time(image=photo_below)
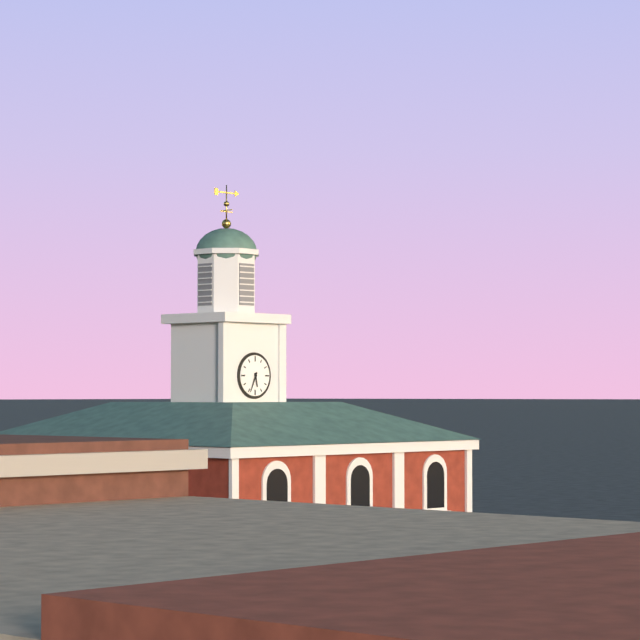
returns {"hour": 5, "minute": 34}
